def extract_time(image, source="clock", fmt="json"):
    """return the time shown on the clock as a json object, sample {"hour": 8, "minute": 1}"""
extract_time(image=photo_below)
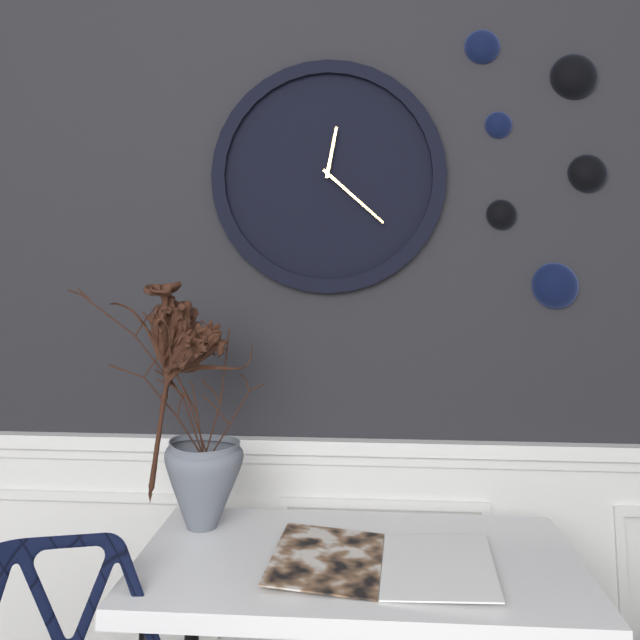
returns {"hour": 12, "minute": 22}
